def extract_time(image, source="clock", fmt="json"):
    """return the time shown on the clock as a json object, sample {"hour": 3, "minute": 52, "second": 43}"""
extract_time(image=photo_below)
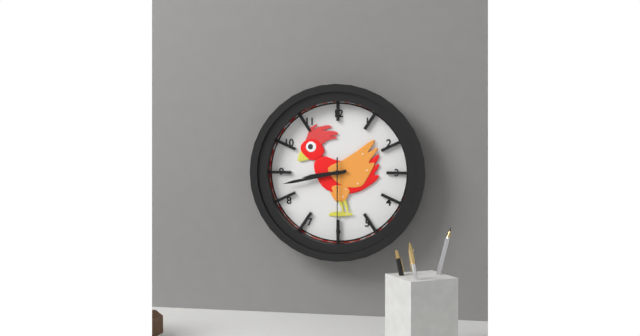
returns {"hour": 8, "minute": 43, "second": 30}
